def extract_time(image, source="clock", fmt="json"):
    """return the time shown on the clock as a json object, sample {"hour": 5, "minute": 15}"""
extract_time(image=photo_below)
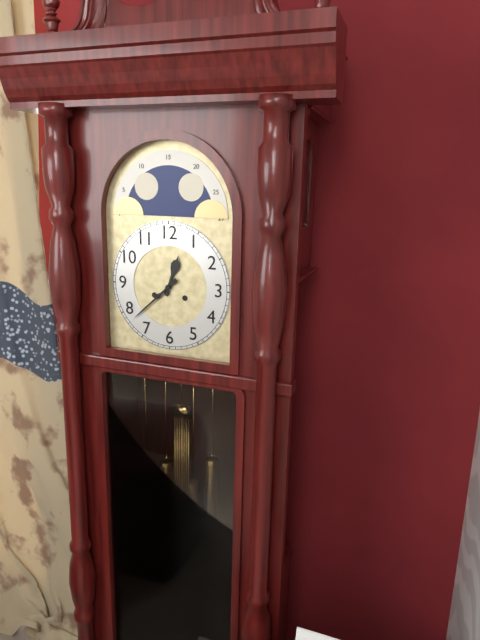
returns {"hour": 12, "minute": 38}
